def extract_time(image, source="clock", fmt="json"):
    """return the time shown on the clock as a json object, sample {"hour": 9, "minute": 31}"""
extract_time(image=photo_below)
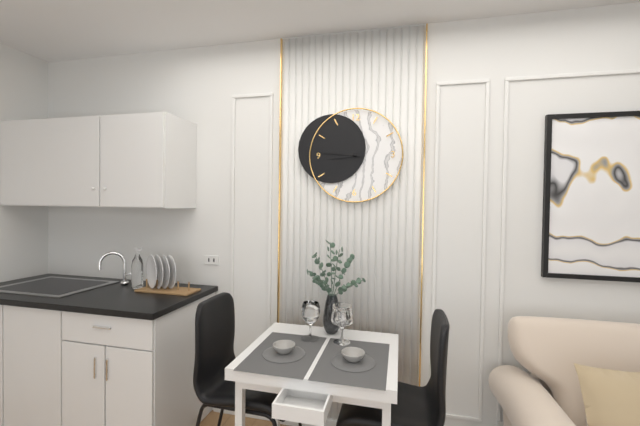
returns {"hour": 8, "minute": 46}
